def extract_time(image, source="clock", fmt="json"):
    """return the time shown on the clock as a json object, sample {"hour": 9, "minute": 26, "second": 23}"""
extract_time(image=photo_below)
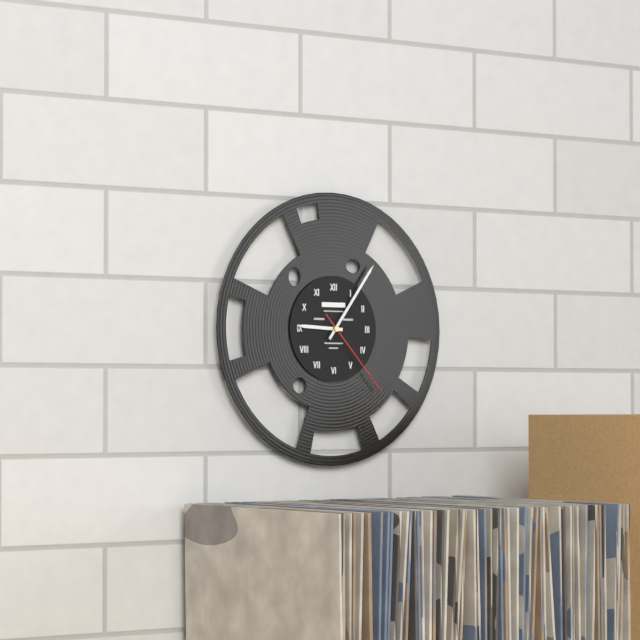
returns {"hour": 9, "minute": 6, "second": 23}
